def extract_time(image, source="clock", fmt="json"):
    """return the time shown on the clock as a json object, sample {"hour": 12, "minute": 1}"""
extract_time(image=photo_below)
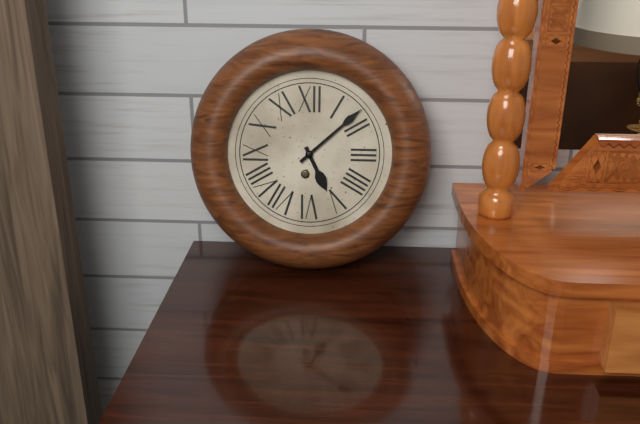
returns {"hour": 5, "minute": 8}
